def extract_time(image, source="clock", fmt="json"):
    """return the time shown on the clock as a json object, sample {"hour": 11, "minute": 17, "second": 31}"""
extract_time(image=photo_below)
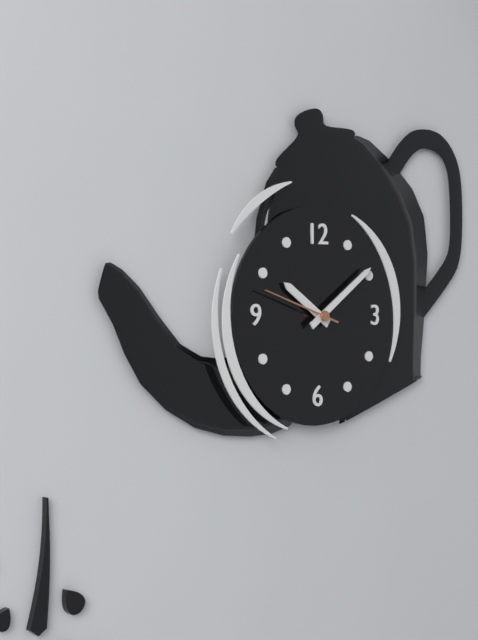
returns {"hour": 10, "minute": 9, "second": 48}
